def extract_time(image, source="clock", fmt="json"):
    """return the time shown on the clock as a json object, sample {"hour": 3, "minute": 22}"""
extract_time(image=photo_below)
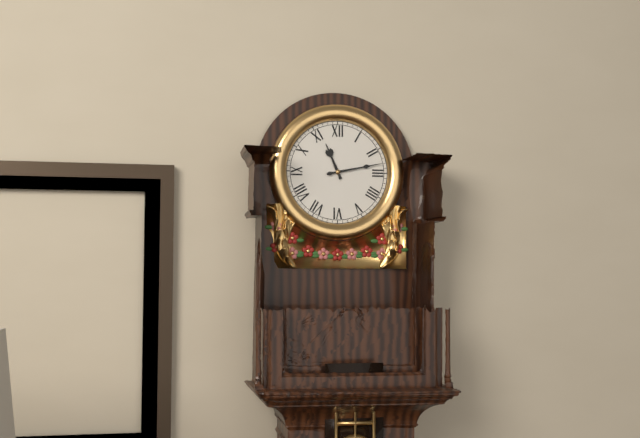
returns {"hour": 11, "minute": 13}
